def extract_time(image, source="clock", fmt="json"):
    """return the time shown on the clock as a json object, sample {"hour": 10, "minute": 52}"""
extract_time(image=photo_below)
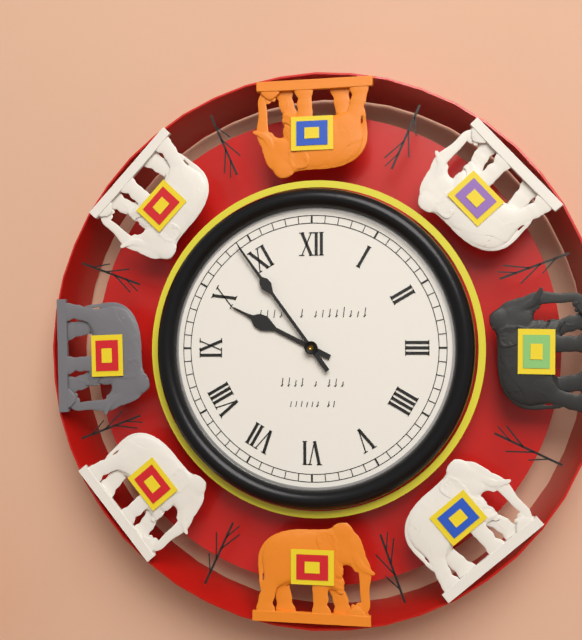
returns {"hour": 9, "minute": 54}
